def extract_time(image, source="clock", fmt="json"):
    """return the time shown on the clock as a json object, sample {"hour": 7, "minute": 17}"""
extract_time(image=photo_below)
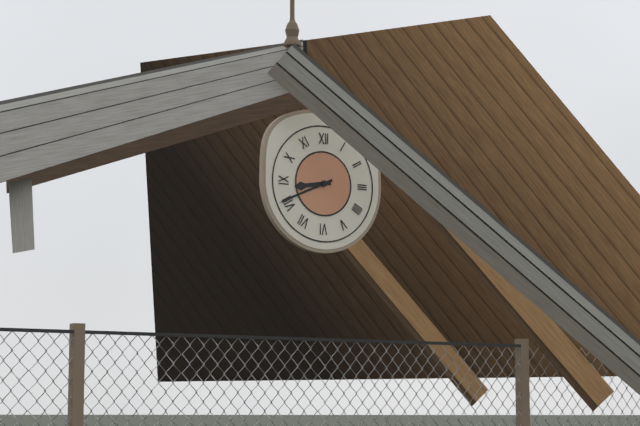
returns {"hour": 8, "minute": 41}
